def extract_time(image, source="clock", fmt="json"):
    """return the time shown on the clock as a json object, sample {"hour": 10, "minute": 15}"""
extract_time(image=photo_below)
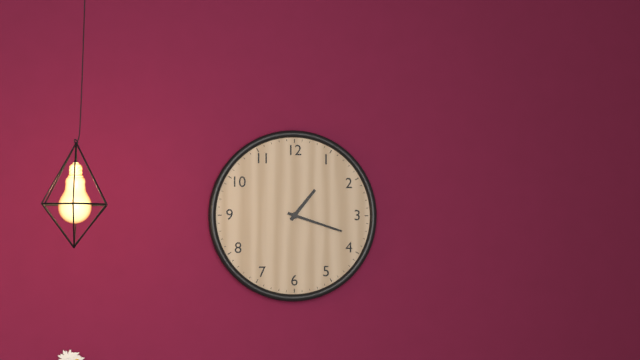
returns {"hour": 1, "minute": 18}
